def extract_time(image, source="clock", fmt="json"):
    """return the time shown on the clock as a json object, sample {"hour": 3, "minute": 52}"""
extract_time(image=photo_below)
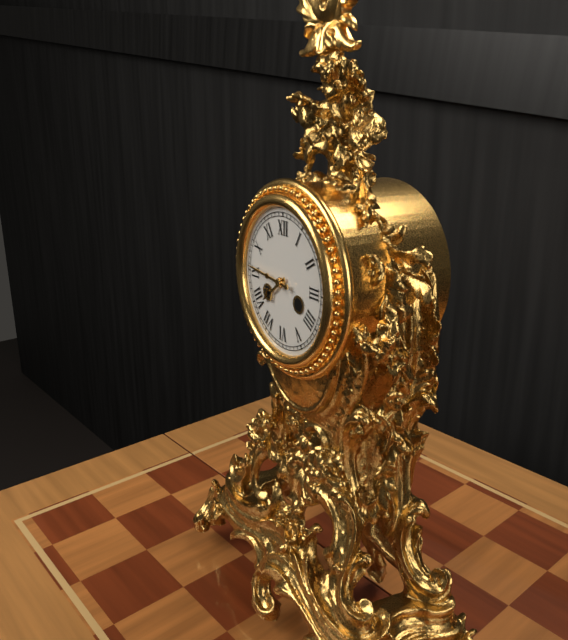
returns {"hour": 7, "minute": 46}
